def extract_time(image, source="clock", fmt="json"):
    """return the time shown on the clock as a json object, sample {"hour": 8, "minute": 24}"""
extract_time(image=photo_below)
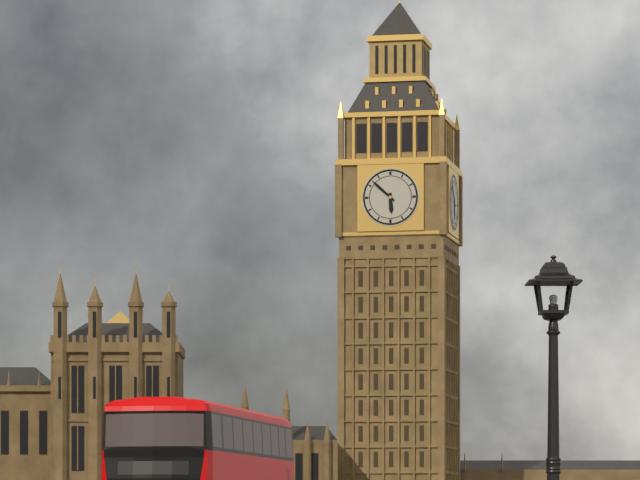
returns {"hour": 5, "minute": 52}
